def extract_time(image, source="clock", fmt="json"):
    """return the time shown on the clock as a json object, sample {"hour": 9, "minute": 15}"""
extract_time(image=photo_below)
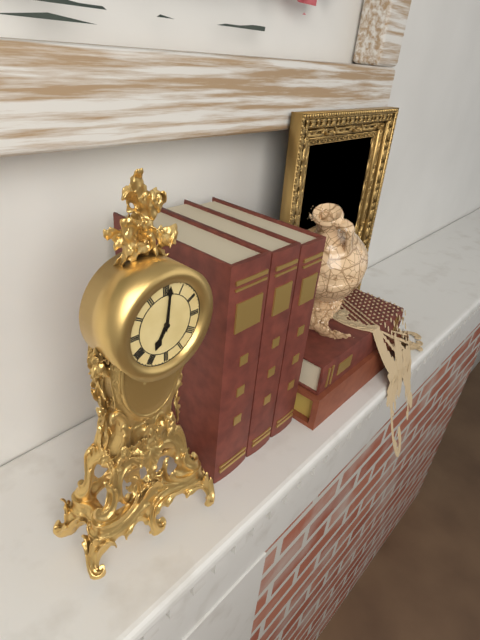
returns {"hour": 7, "minute": 1}
